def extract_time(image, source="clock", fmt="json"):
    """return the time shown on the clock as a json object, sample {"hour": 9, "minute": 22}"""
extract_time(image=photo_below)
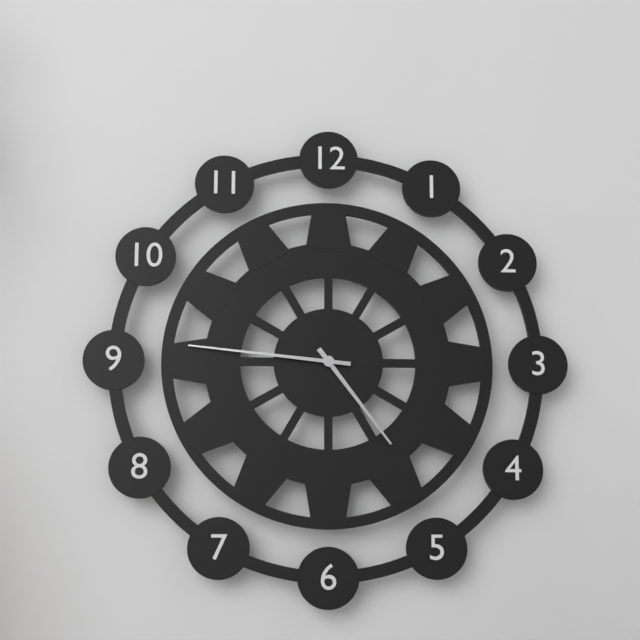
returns {"hour": 4, "minute": 46}
